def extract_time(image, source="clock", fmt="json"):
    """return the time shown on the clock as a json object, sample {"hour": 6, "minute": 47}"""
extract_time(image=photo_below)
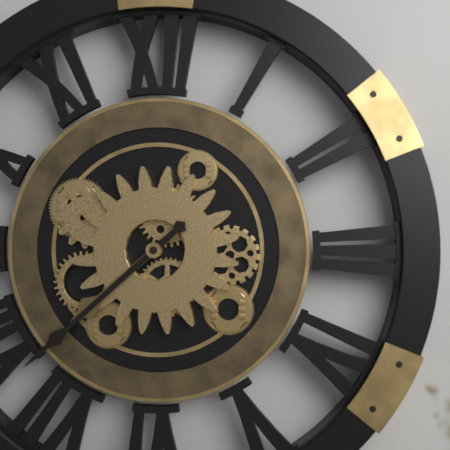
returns {"hour": 7, "minute": 38}
